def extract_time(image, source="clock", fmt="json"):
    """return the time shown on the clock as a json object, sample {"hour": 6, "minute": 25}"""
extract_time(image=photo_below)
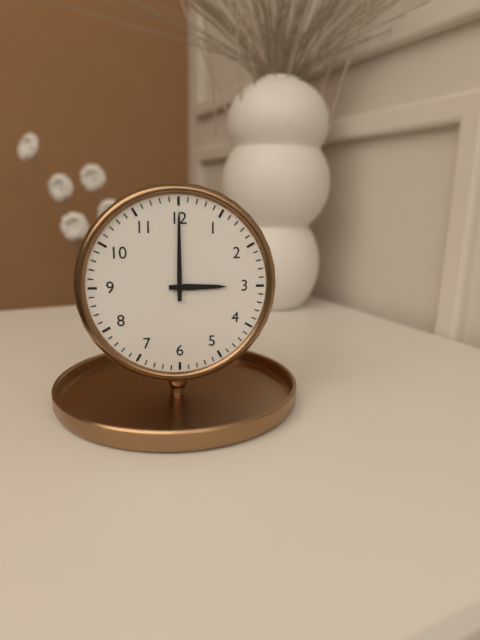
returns {"hour": 3, "minute": 0}
